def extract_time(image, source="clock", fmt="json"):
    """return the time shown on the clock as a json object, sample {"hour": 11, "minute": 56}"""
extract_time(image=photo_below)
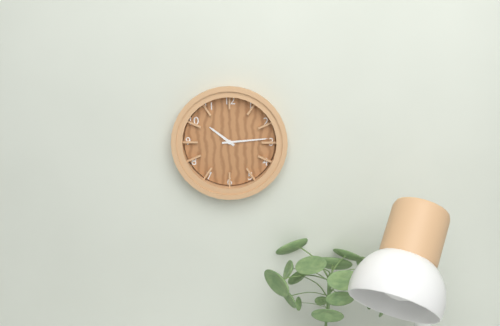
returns {"hour": 10, "minute": 14}
